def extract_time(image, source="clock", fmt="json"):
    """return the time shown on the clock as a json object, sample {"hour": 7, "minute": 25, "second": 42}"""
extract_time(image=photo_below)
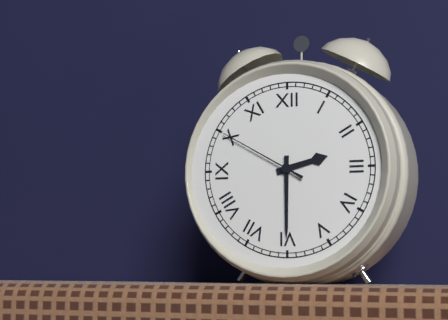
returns {"hour": 2, "minute": 30, "second": 50}
